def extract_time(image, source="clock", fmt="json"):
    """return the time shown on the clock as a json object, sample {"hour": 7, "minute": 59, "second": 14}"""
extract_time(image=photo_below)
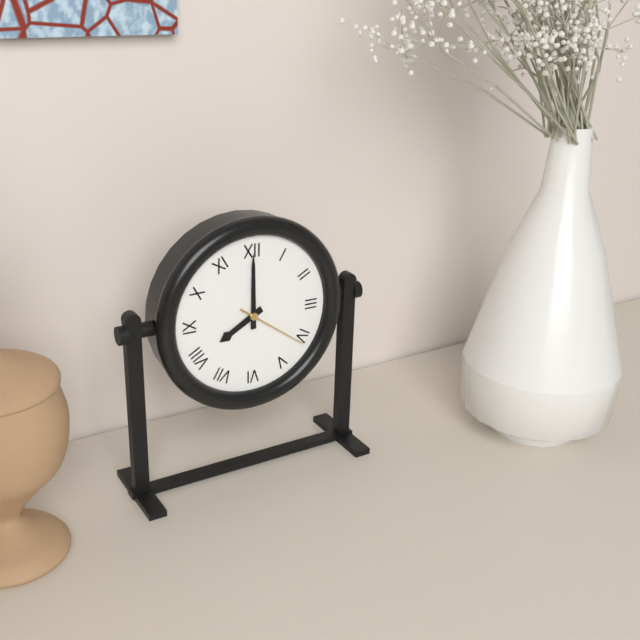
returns {"hour": 8, "minute": 0, "second": 21}
